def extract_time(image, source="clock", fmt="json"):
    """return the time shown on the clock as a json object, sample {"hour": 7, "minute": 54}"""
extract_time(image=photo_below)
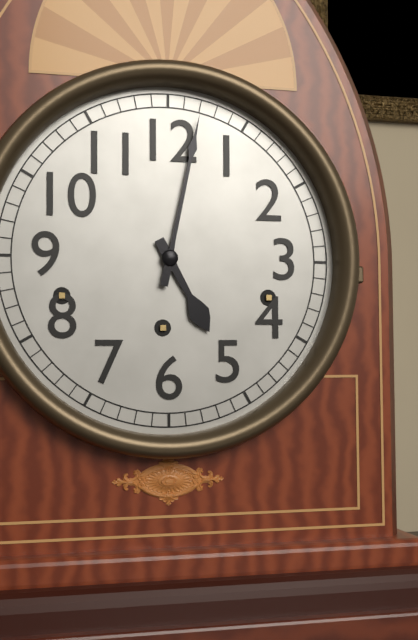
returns {"hour": 5, "minute": 2}
